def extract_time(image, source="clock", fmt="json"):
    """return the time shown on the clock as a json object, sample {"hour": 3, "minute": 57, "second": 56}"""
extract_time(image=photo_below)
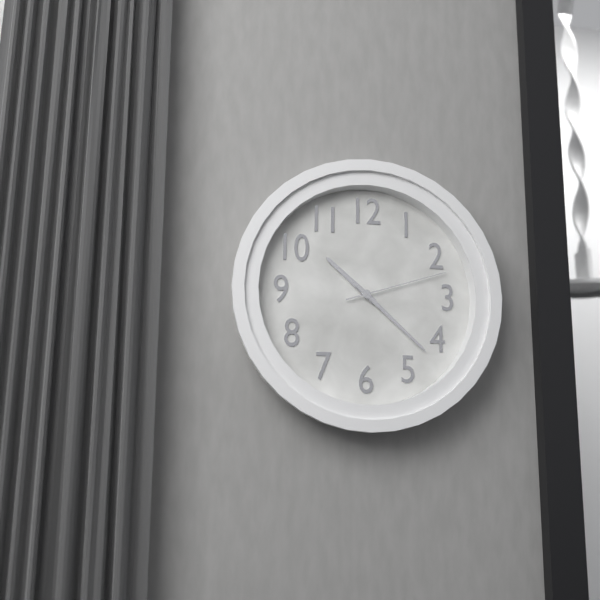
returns {"hour": 10, "minute": 22, "second": 12}
